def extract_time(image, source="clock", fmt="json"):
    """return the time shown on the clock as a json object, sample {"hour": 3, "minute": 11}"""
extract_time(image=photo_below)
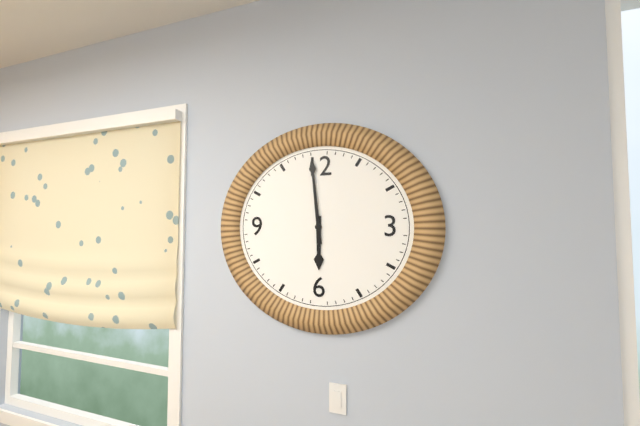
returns {"hour": 5, "minute": 59}
